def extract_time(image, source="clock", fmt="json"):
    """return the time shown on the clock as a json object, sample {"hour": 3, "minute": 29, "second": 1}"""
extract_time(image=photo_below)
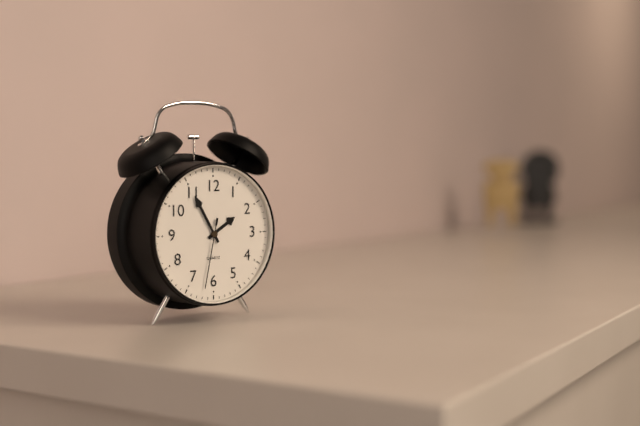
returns {"hour": 1, "minute": 55, "second": 32}
